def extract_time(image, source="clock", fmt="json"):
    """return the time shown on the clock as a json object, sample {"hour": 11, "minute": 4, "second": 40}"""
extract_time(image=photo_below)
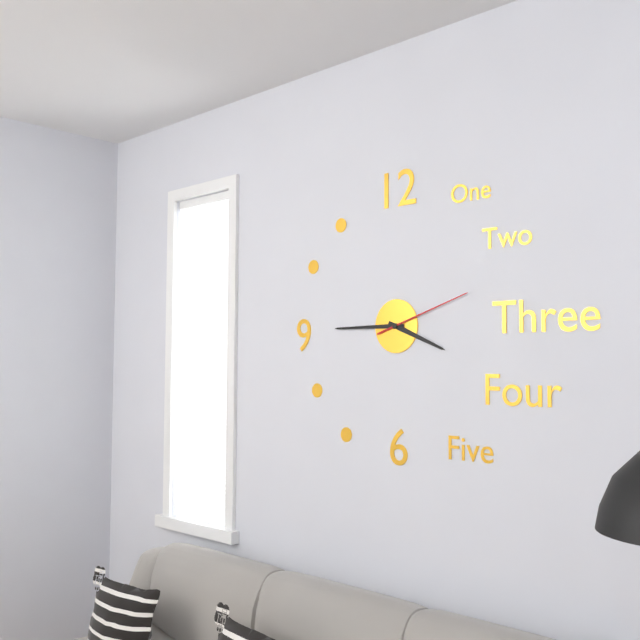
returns {"hour": 3, "minute": 45, "second": 12}
